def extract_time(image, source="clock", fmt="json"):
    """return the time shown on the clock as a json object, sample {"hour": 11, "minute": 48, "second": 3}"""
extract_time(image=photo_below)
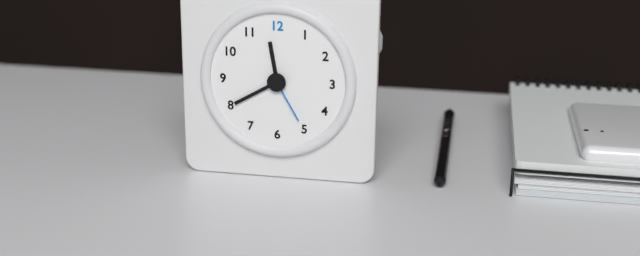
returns {"hour": 11, "minute": 40, "second": 25}
